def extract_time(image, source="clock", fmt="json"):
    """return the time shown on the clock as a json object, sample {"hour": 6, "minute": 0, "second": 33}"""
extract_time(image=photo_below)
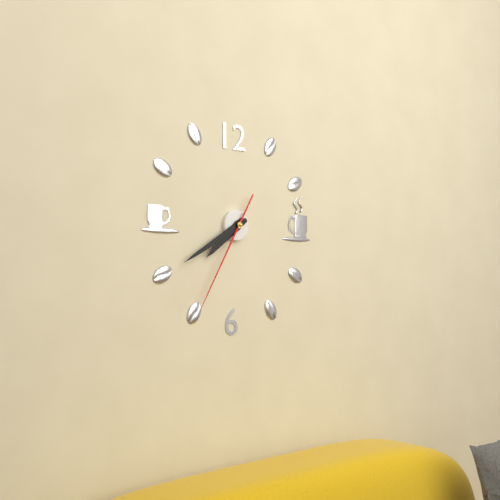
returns {"hour": 7, "minute": 40, "second": 35}
